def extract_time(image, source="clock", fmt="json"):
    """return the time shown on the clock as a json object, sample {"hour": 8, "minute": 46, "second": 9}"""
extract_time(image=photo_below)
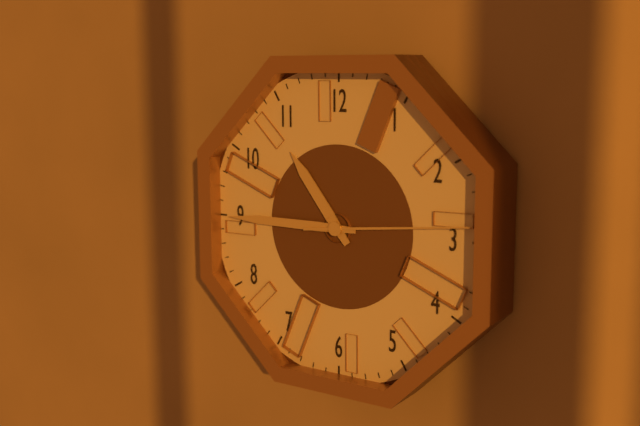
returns {"hour": 10, "minute": 45, "second": 14}
